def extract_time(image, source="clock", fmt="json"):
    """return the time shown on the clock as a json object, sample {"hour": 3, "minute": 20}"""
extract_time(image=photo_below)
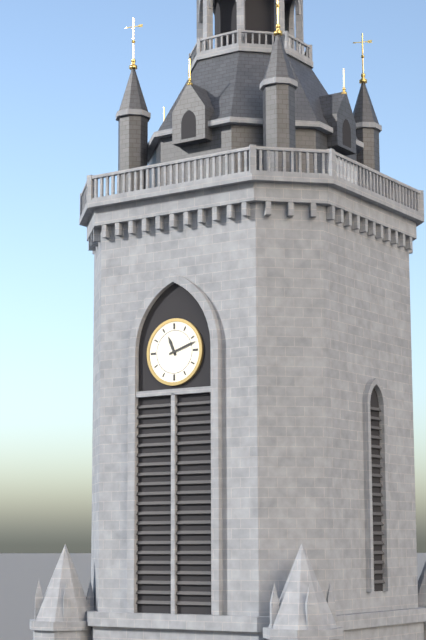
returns {"hour": 11, "minute": 12}
